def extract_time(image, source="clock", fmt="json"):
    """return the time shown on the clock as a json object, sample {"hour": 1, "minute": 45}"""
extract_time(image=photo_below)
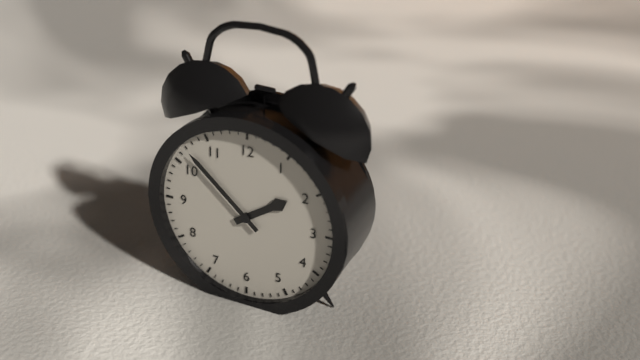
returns {"hour": 1, "minute": 52}
